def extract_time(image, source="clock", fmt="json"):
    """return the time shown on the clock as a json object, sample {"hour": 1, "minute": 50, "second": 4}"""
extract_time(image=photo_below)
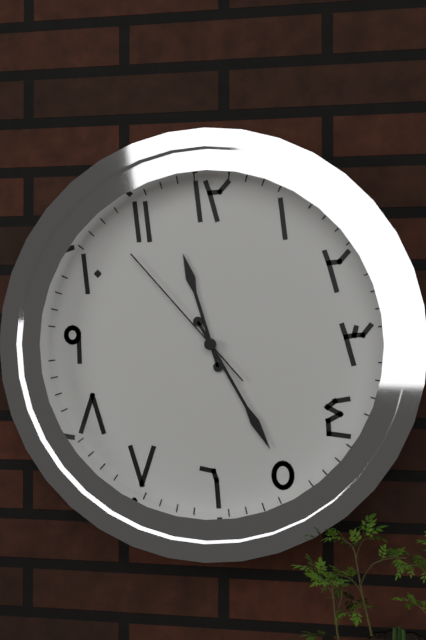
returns {"hour": 11, "minute": 25, "second": 53}
